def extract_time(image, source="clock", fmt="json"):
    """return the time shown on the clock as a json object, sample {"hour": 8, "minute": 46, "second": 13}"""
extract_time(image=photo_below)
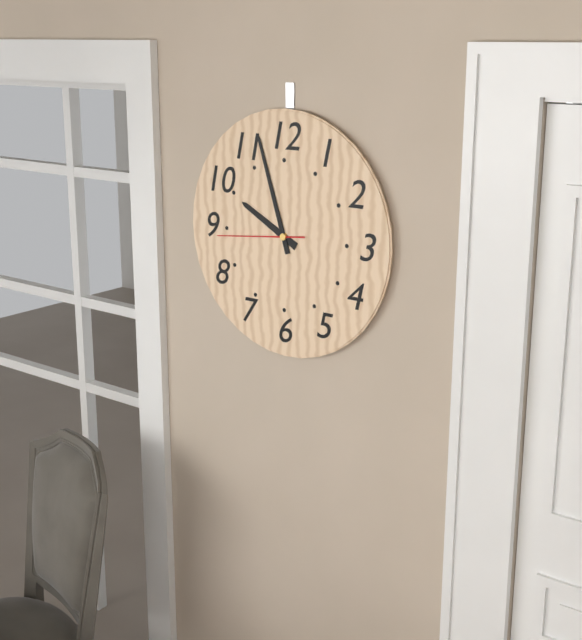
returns {"hour": 9, "minute": 57, "second": 44}
